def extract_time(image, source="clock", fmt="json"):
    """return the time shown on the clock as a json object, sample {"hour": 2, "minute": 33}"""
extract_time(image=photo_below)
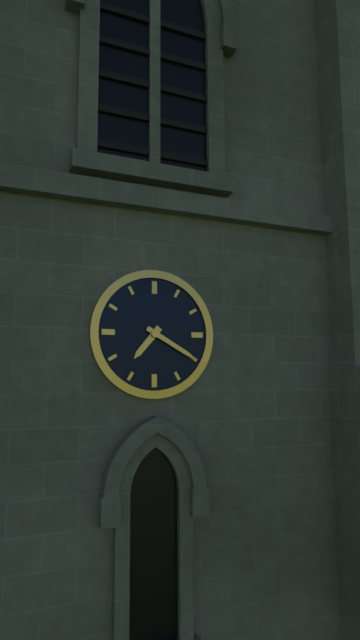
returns {"hour": 7, "minute": 20}
